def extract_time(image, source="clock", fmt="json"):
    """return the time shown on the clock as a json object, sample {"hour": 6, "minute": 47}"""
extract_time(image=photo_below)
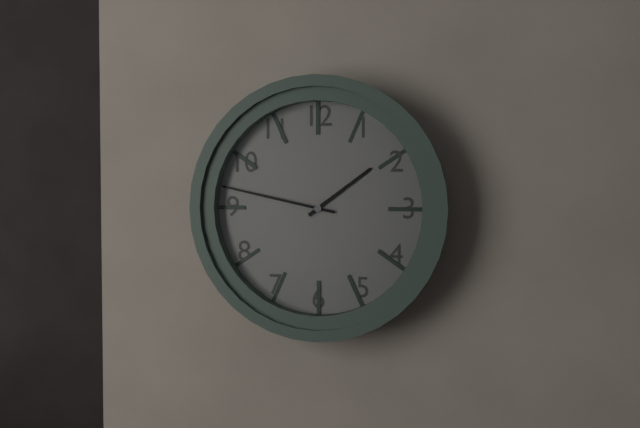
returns {"hour": 1, "minute": 47}
